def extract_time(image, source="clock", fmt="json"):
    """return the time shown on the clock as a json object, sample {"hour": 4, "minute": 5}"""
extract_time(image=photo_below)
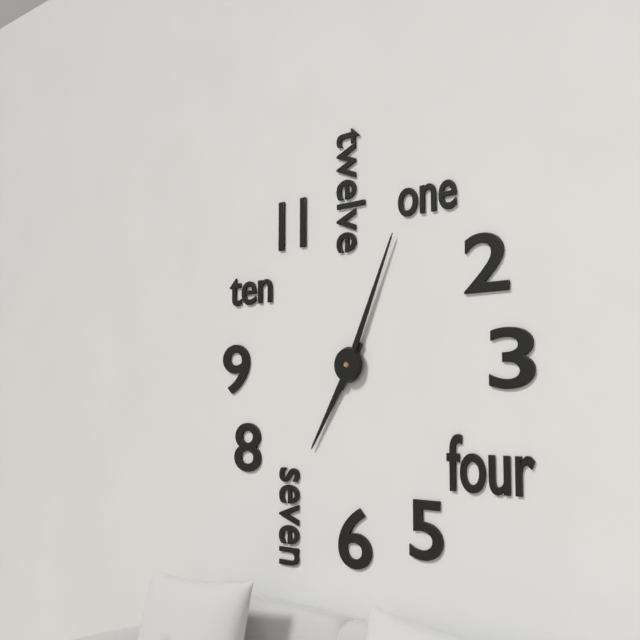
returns {"hour": 7, "minute": 4}
